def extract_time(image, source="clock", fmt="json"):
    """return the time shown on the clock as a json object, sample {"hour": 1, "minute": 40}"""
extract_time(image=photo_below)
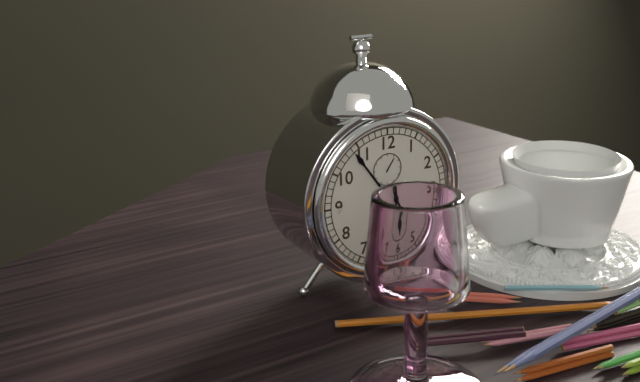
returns {"hour": 5, "minute": 54}
